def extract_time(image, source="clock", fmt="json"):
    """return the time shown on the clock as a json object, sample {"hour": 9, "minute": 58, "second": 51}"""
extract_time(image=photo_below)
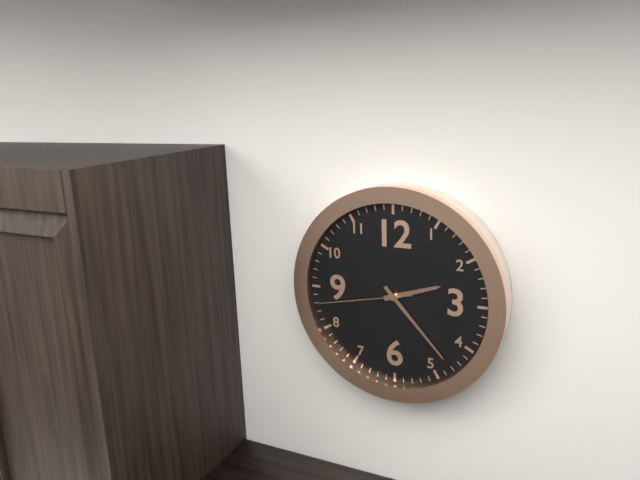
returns {"hour": 2, "minute": 23, "second": 43}
